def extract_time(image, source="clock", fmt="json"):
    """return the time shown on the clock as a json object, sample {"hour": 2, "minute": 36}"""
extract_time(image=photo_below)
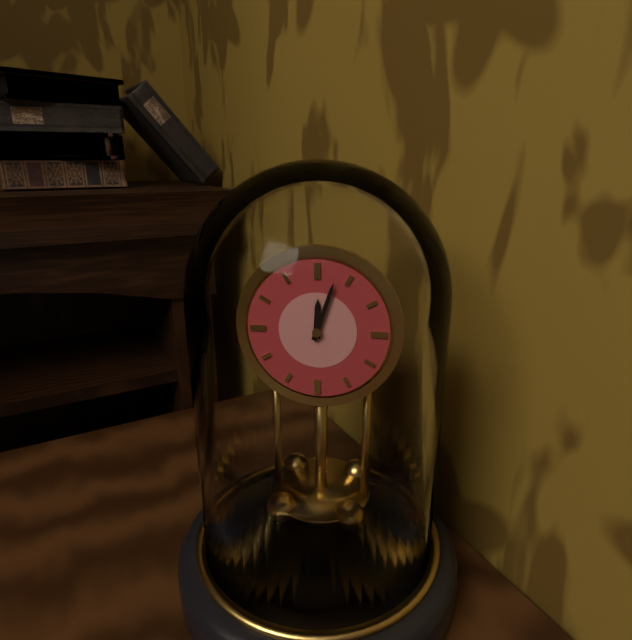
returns {"hour": 12, "minute": 3}
